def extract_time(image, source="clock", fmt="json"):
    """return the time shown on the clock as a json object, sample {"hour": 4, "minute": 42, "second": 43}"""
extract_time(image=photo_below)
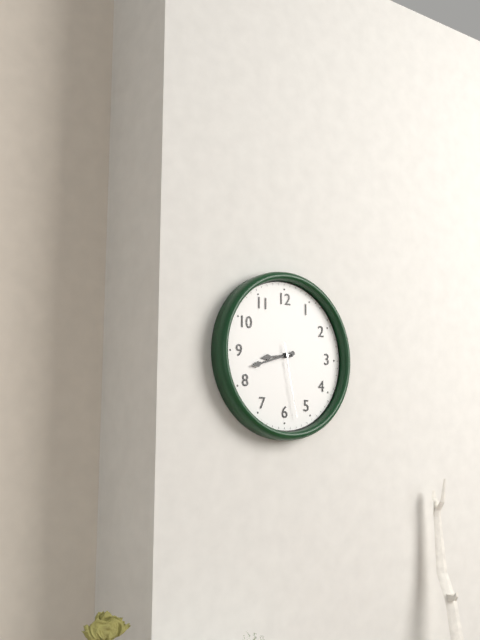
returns {"hour": 8, "minute": 42, "second": 28}
